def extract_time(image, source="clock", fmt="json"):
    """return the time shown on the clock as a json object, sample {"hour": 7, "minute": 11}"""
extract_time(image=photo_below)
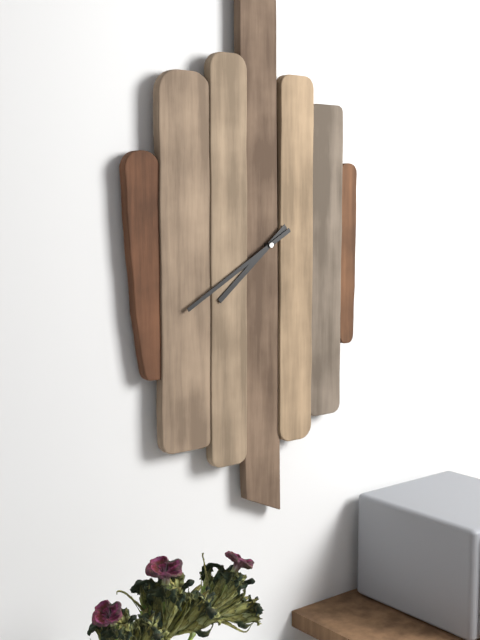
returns {"hour": 7, "minute": 40}
